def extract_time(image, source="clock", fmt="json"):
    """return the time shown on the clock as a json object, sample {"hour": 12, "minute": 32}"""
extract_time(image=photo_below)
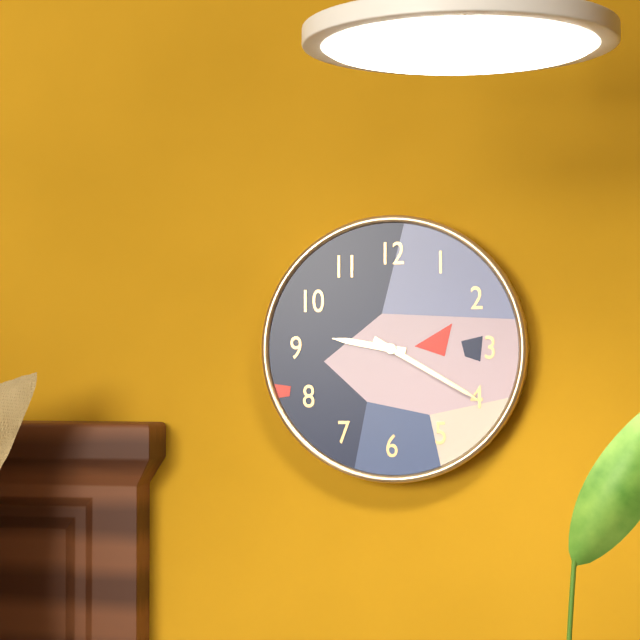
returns {"hour": 9, "minute": 20}
